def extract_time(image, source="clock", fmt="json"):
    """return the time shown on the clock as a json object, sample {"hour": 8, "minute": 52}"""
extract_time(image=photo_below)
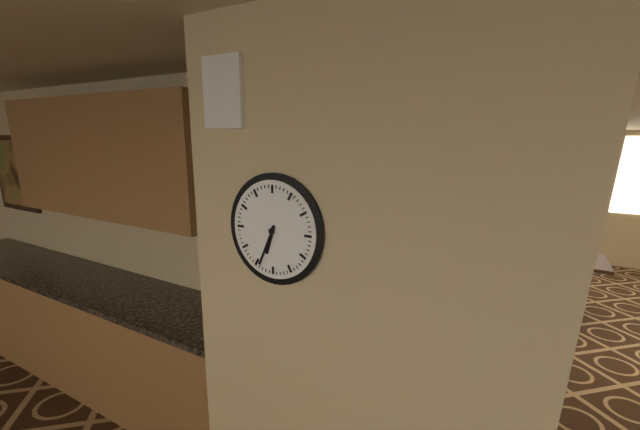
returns {"hour": 6, "minute": 34}
